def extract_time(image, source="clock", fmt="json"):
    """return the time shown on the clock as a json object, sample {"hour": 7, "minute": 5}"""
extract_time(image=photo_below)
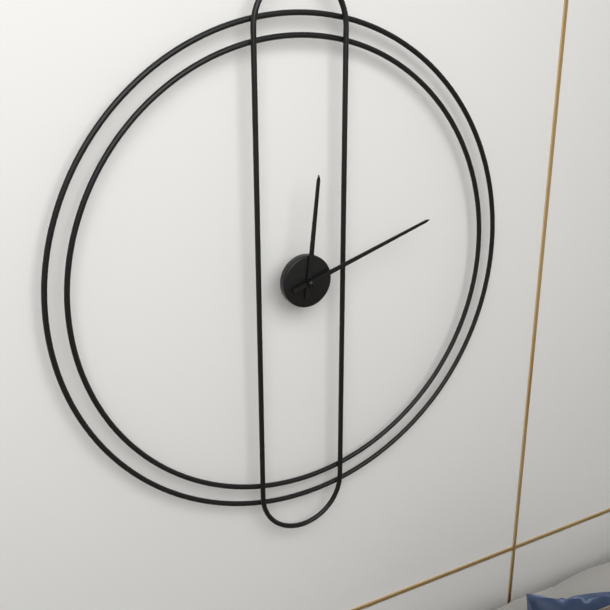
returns {"hour": 12, "minute": 12}
